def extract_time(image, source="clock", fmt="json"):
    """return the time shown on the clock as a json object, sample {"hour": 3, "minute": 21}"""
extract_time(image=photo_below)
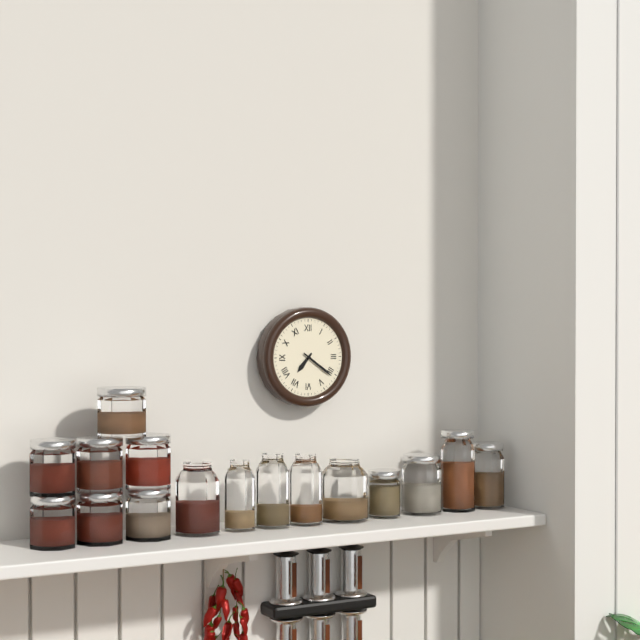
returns {"hour": 7, "minute": 21}
